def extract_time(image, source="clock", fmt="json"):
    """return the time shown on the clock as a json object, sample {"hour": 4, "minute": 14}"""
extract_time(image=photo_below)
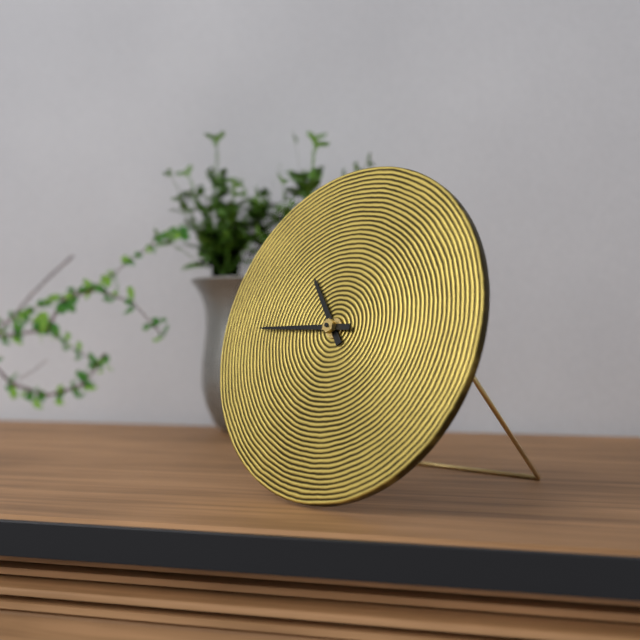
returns {"hour": 10, "minute": 45}
